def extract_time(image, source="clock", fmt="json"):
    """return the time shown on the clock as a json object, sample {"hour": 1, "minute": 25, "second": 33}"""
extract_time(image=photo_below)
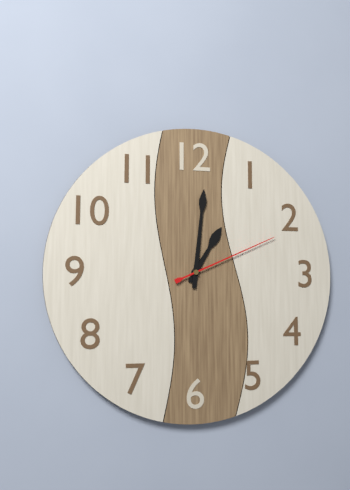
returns {"hour": 1, "minute": 1, "second": 11}
